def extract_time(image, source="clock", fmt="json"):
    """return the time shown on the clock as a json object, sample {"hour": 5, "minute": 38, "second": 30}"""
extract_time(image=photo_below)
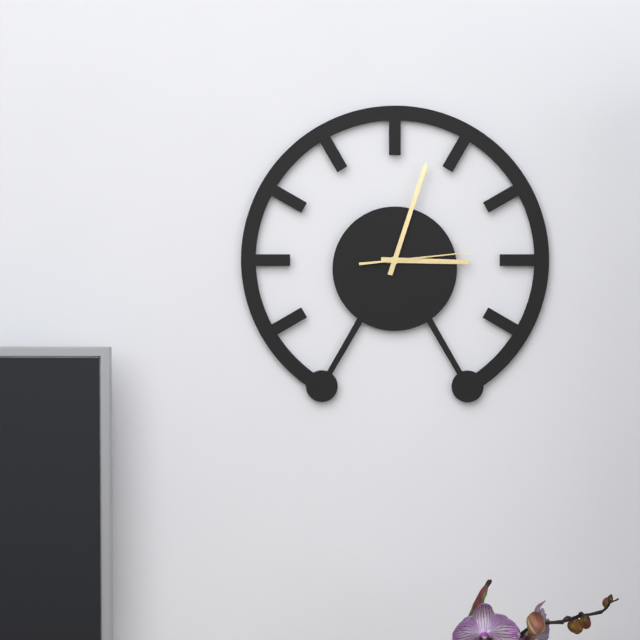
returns {"hour": 3, "minute": 3, "second": 14}
